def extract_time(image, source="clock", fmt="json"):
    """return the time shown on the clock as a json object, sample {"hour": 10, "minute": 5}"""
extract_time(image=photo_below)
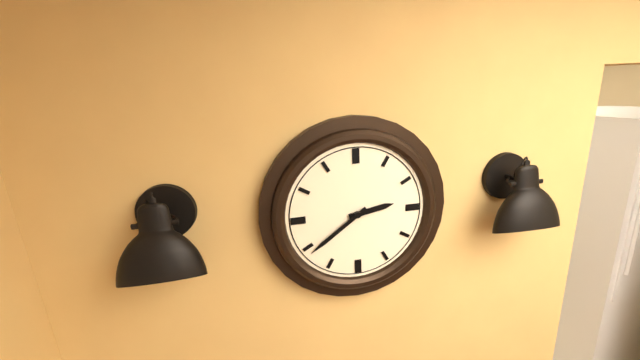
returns {"hour": 2, "minute": 39}
